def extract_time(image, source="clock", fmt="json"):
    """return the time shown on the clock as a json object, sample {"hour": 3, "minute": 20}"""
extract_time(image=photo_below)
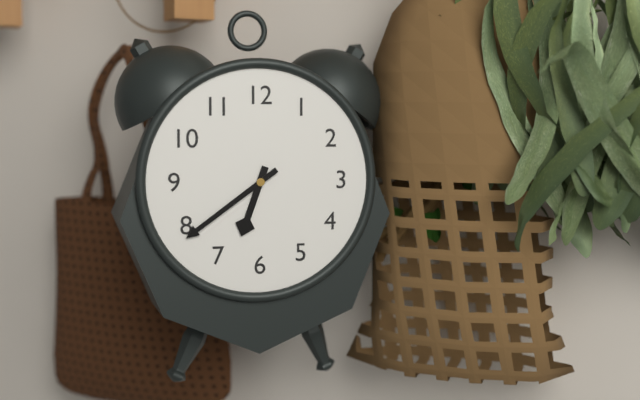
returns {"hour": 6, "minute": 39}
